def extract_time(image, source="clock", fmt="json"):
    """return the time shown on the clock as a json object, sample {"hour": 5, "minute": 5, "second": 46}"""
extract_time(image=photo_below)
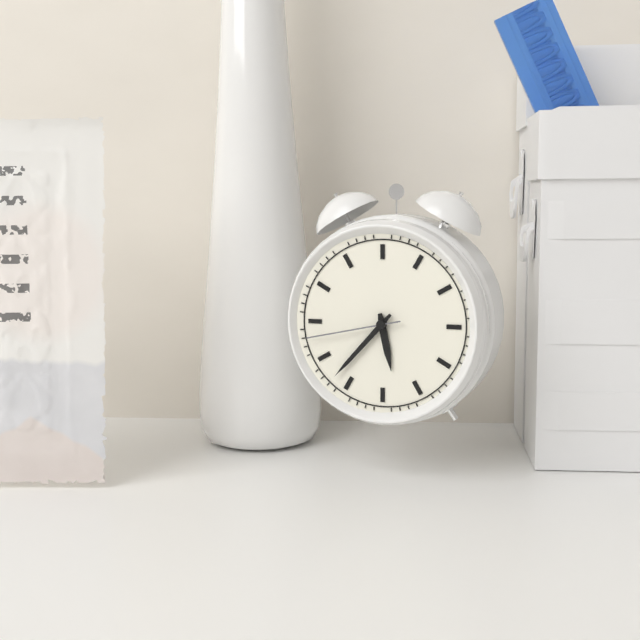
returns {"hour": 5, "minute": 37, "second": 43}
